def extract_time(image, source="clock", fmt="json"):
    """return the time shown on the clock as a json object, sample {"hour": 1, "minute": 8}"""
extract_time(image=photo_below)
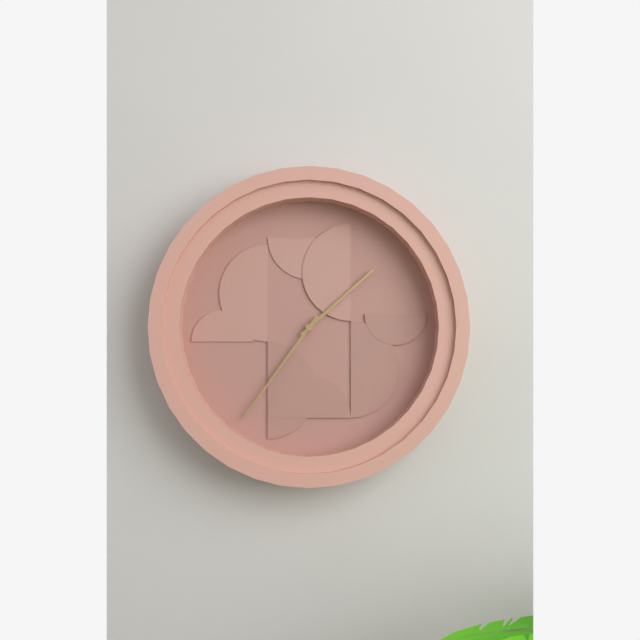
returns {"hour": 1, "minute": 36}
